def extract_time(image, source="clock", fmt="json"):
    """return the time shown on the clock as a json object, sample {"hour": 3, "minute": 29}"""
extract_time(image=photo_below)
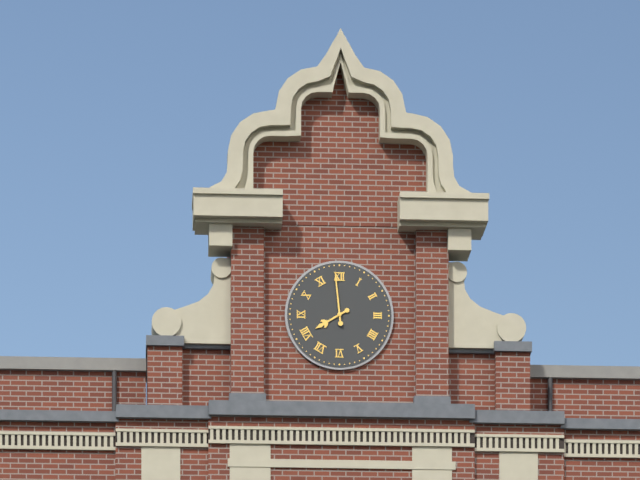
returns {"hour": 7, "minute": 59}
